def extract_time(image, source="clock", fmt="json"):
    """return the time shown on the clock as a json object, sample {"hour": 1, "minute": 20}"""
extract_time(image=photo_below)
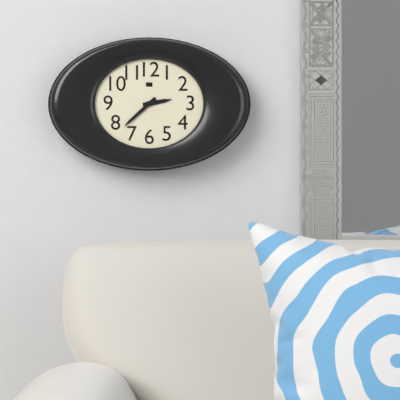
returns {"hour": 2, "minute": 38}
